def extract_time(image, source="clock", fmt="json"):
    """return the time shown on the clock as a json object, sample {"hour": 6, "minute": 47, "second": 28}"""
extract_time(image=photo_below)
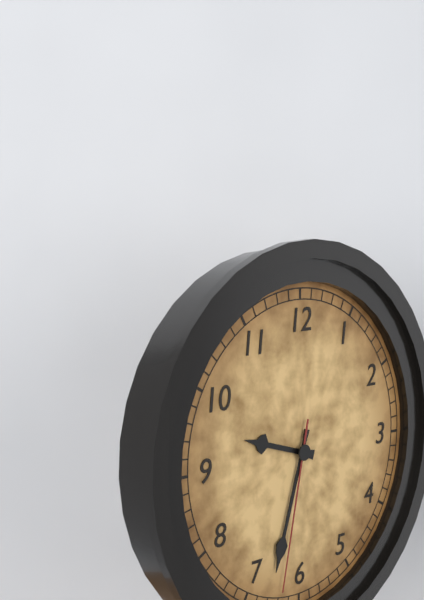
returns {"hour": 9, "minute": 33, "second": 32}
